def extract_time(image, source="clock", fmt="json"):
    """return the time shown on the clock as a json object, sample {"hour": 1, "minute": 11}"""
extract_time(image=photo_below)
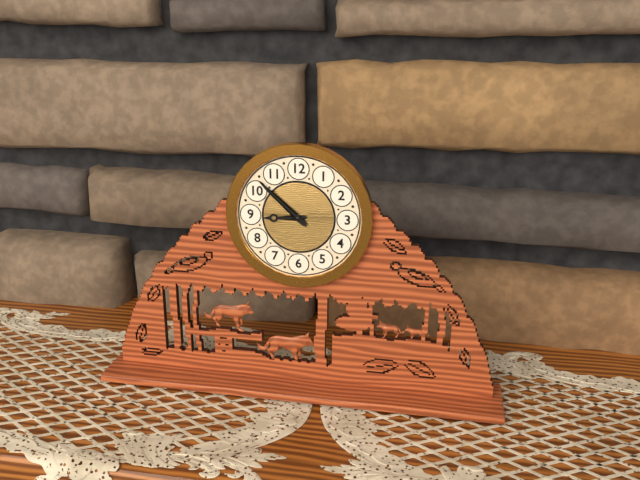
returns {"hour": 8, "minute": 52}
